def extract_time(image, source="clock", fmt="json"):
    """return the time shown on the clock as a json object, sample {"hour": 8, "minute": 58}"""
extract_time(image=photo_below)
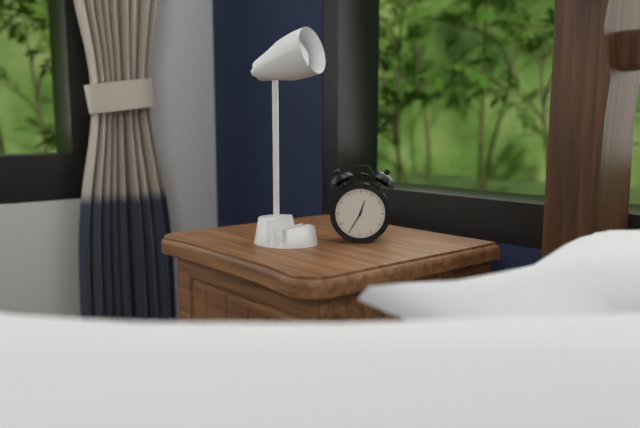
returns {"hour": 12, "minute": 35}
